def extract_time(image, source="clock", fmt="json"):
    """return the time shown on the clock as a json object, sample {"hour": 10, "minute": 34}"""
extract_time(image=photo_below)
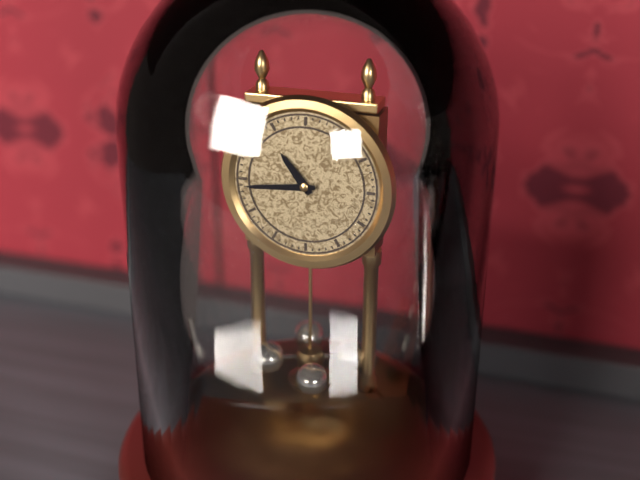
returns {"hour": 10, "minute": 44}
